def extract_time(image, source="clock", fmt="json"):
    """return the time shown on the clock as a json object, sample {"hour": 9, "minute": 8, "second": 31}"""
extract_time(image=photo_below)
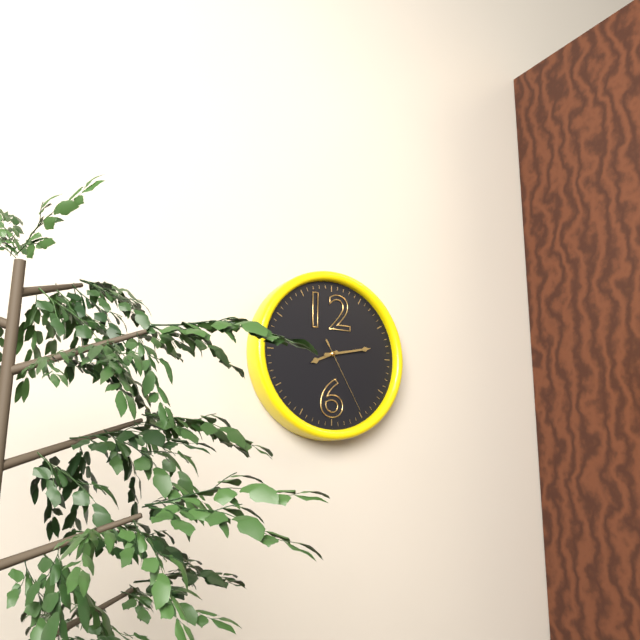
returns {"hour": 8, "minute": 13, "second": 25}
